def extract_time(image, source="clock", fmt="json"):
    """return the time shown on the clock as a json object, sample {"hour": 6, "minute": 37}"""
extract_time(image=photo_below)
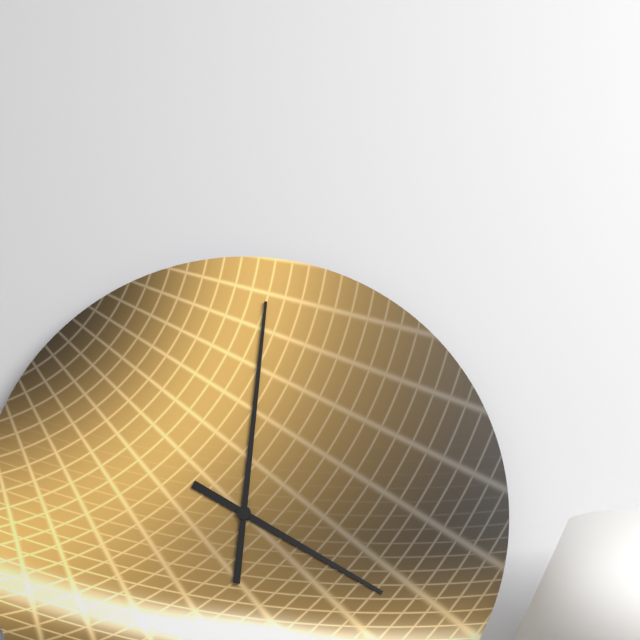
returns {"hour": 4, "minute": 1}
